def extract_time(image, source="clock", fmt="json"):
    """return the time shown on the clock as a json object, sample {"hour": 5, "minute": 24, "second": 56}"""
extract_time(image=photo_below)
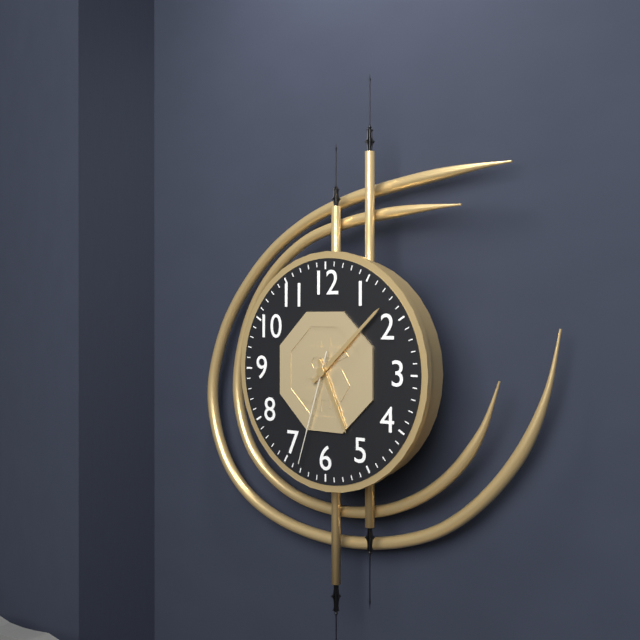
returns {"hour": 5, "minute": 8, "second": 33}
